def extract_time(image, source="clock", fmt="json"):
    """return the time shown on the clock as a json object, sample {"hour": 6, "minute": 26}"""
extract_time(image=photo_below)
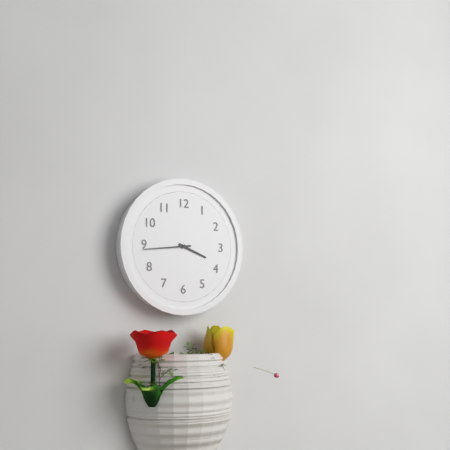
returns {"hour": 3, "minute": 44}
